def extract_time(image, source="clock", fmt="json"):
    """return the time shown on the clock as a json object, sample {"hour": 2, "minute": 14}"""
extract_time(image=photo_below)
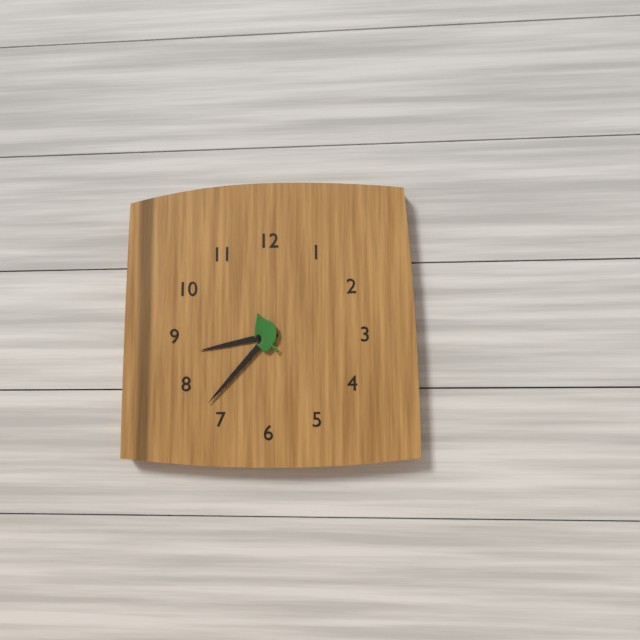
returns {"hour": 8, "minute": 37}
